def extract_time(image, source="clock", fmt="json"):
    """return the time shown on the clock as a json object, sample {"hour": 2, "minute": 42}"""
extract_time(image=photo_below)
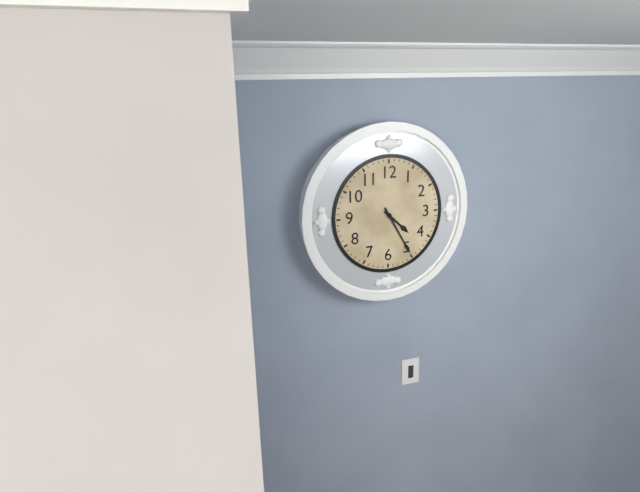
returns {"hour": 4, "minute": 25}
